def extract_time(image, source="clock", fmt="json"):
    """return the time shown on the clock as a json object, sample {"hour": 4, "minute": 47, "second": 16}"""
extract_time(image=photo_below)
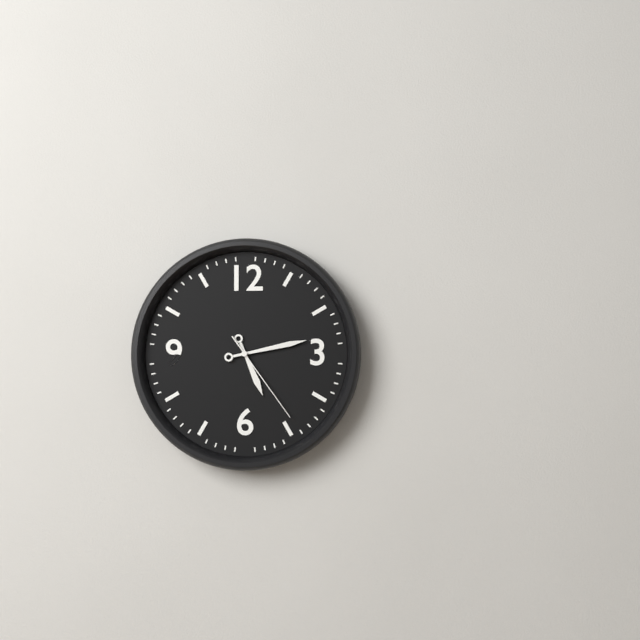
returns {"hour": 5, "minute": 13, "second": 24}
